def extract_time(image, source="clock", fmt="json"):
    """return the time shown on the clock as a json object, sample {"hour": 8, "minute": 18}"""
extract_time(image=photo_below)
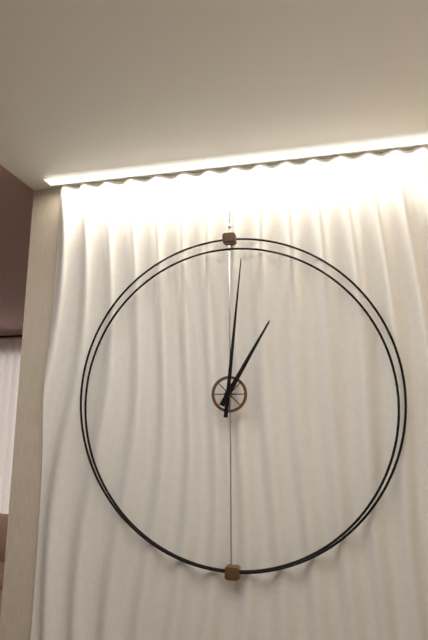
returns {"hour": 1, "minute": 1}
